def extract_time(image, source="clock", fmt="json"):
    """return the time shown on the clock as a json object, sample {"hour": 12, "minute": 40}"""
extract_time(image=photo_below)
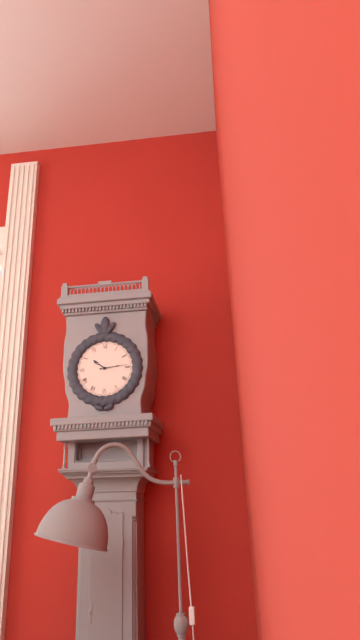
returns {"hour": 10, "minute": 14}
